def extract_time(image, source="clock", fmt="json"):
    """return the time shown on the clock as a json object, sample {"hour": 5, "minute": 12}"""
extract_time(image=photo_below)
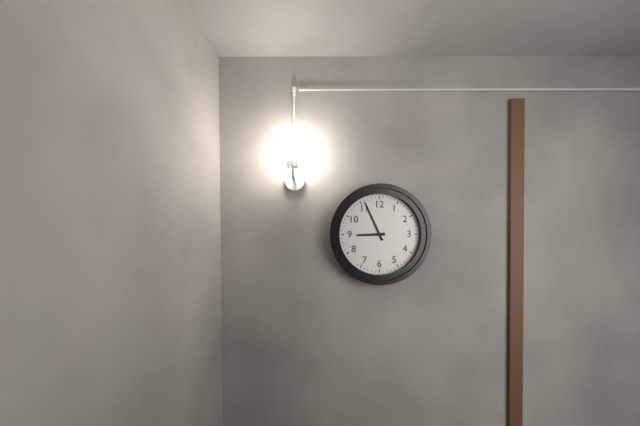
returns {"hour": 8, "minute": 56}
